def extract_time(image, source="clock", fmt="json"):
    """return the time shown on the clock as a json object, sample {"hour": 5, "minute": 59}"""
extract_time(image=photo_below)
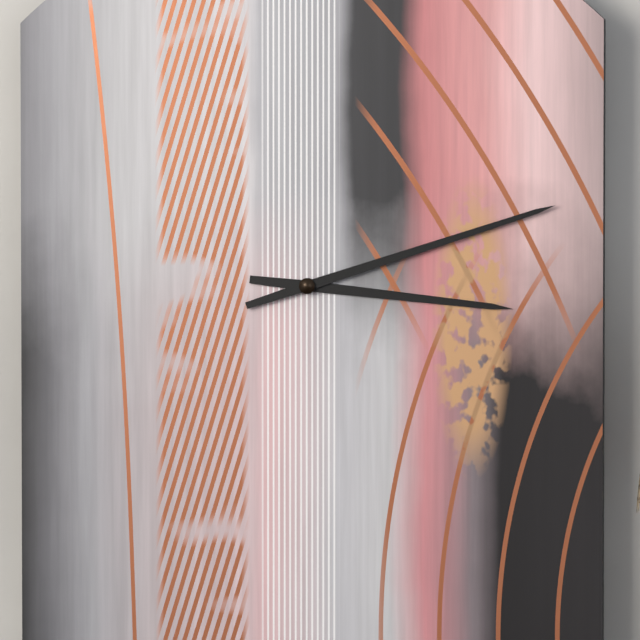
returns {"hour": 3, "minute": 12}
